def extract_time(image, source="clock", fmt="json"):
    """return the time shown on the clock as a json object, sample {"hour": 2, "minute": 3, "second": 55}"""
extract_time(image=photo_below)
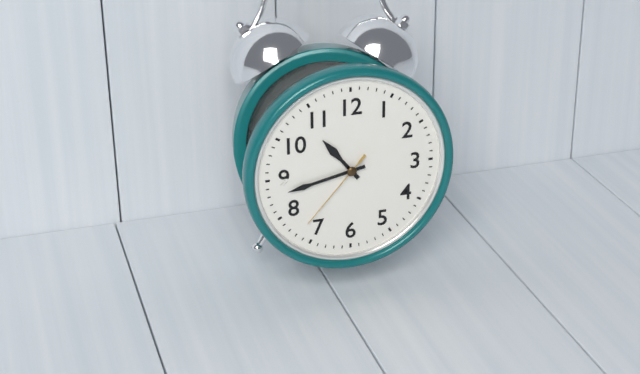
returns {"hour": 10, "minute": 43, "second": 37}
